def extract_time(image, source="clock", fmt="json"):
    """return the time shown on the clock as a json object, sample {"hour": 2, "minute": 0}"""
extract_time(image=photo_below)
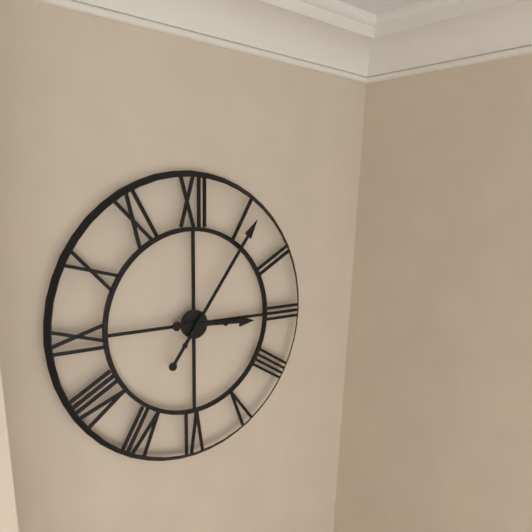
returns {"hour": 3, "minute": 6}
